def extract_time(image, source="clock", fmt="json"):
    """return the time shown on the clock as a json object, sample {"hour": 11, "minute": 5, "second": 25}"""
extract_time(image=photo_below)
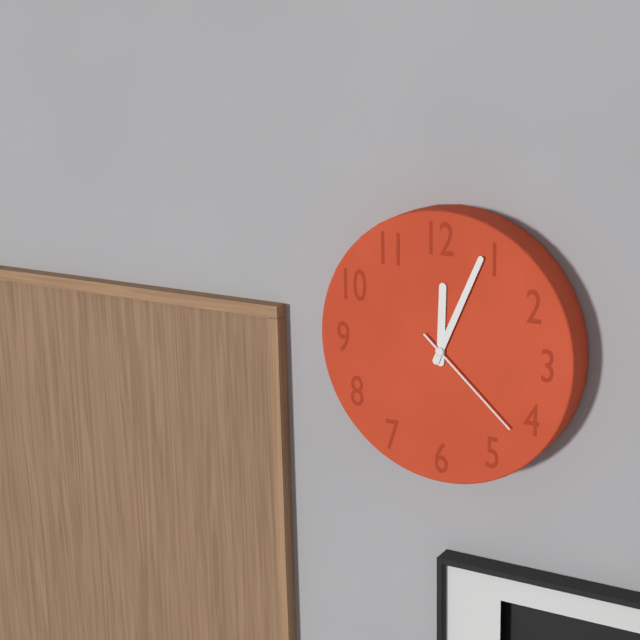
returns {"hour": 12, "minute": 4, "second": 22}
